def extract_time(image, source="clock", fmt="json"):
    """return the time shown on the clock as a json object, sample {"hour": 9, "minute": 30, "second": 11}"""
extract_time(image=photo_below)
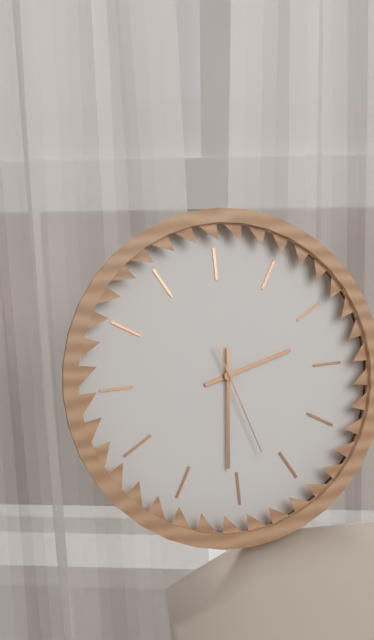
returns {"hour": 2, "minute": 31, "second": 27}
